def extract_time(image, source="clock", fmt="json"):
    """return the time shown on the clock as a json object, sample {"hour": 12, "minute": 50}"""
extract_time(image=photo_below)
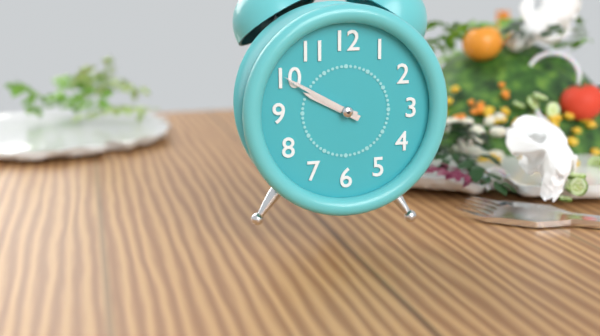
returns {"hour": 9, "minute": 50}
